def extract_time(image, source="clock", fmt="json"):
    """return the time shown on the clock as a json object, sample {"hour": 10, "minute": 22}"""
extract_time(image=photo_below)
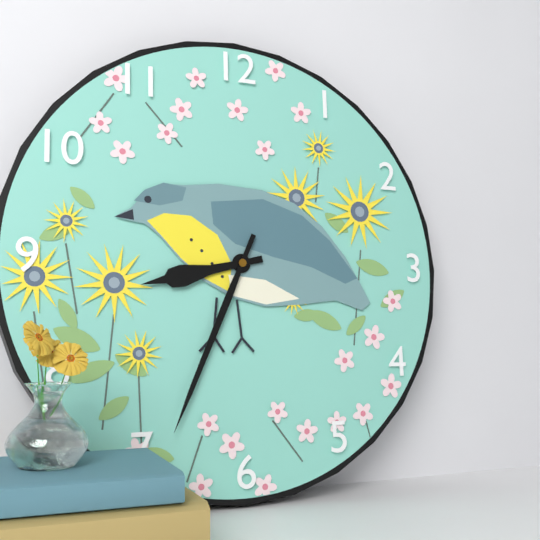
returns {"hour": 8, "minute": 34}
